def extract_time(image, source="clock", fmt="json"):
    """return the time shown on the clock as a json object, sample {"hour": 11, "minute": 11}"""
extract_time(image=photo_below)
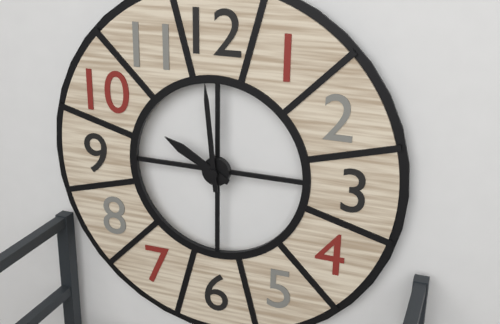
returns {"hour": 9, "minute": 59}
